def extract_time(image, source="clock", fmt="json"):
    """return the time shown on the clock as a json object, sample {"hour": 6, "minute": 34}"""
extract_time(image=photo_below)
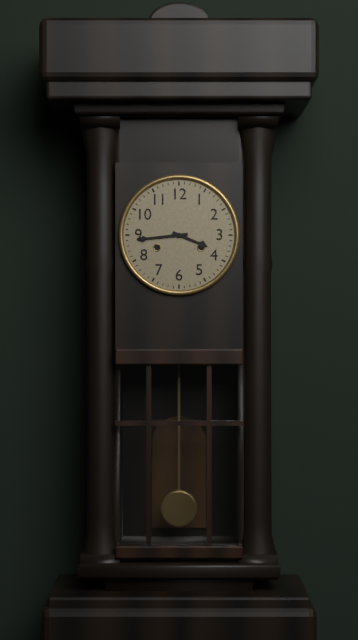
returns {"hour": 3, "minute": 44}
